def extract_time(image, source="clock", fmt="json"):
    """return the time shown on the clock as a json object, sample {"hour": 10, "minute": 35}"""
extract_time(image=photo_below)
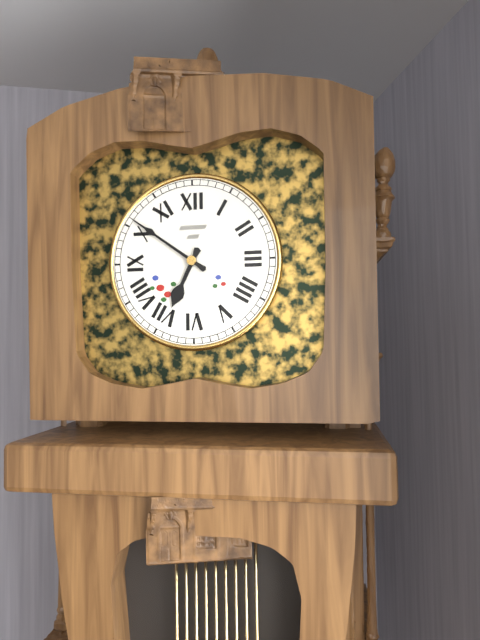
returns {"hour": 6, "minute": 51}
